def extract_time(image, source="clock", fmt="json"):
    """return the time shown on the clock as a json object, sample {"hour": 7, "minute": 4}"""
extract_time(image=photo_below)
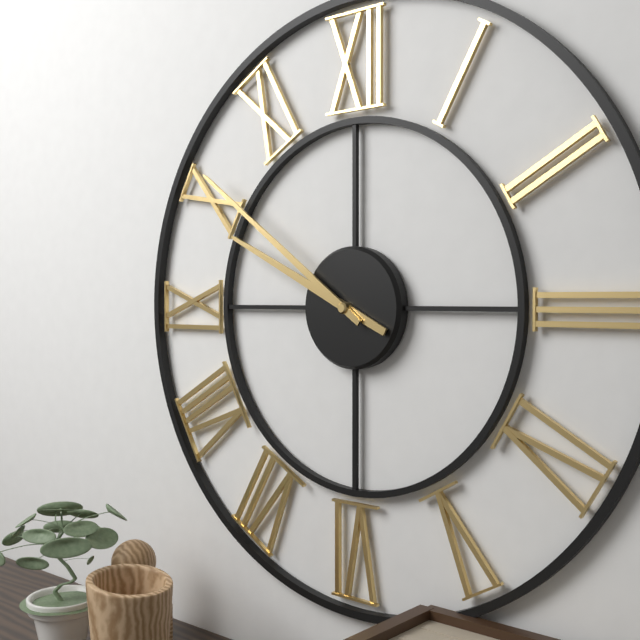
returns {"hour": 9, "minute": 51}
